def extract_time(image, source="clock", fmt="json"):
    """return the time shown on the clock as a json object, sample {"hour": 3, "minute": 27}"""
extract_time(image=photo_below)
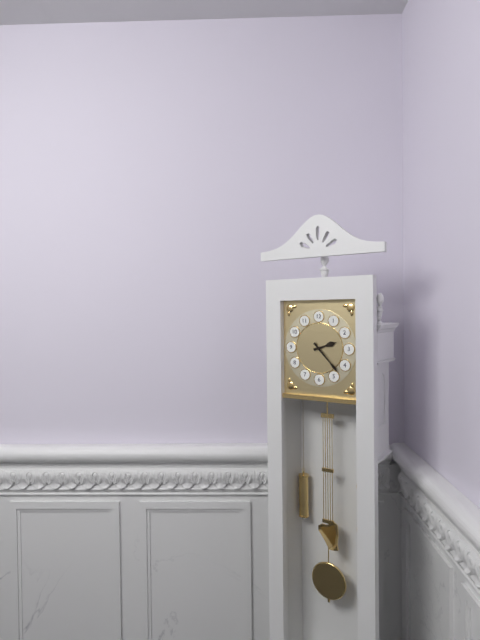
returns {"hour": 2, "minute": 23}
